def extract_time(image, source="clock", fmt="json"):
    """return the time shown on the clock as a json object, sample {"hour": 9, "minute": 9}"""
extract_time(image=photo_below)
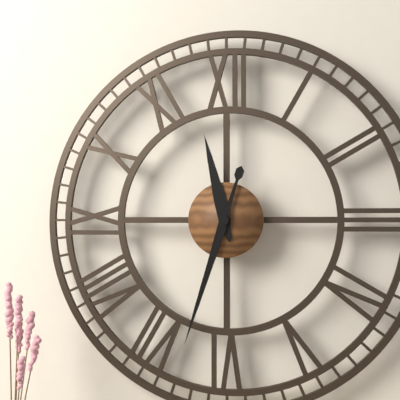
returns {"hour": 11, "minute": 33}
